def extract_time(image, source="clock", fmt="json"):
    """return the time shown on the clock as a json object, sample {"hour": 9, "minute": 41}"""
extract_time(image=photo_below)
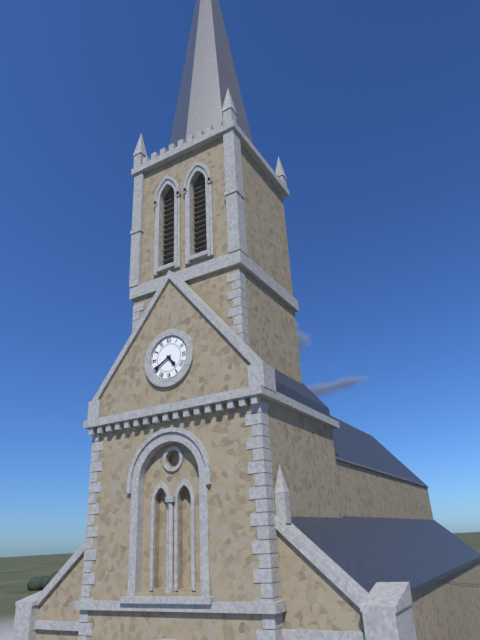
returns {"hour": 4, "minute": 40}
